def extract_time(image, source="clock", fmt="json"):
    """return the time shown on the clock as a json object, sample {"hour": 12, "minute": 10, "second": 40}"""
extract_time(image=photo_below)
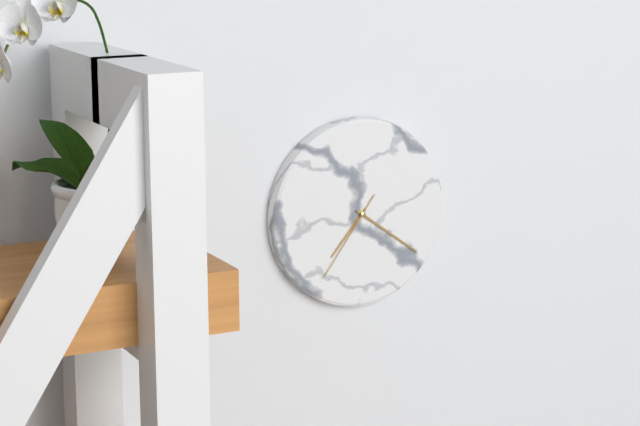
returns {"hour": 7, "minute": 21, "second": 36}
